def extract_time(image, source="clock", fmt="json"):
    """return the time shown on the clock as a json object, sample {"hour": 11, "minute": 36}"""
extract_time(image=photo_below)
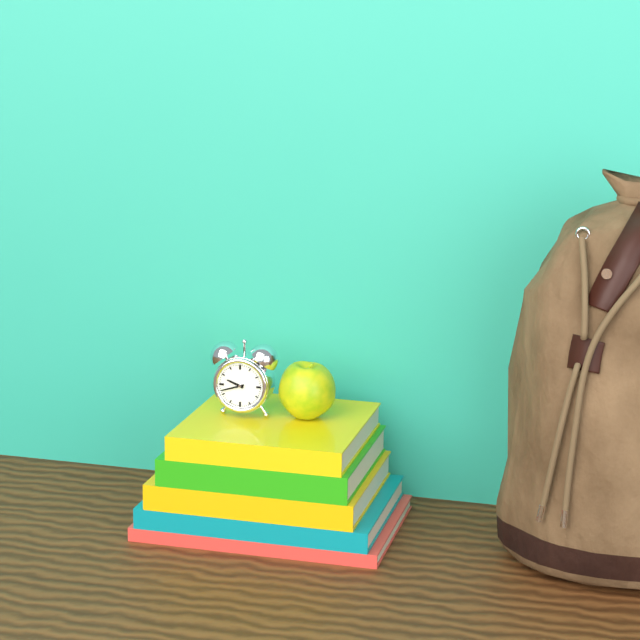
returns {"hour": 9, "minute": 42}
